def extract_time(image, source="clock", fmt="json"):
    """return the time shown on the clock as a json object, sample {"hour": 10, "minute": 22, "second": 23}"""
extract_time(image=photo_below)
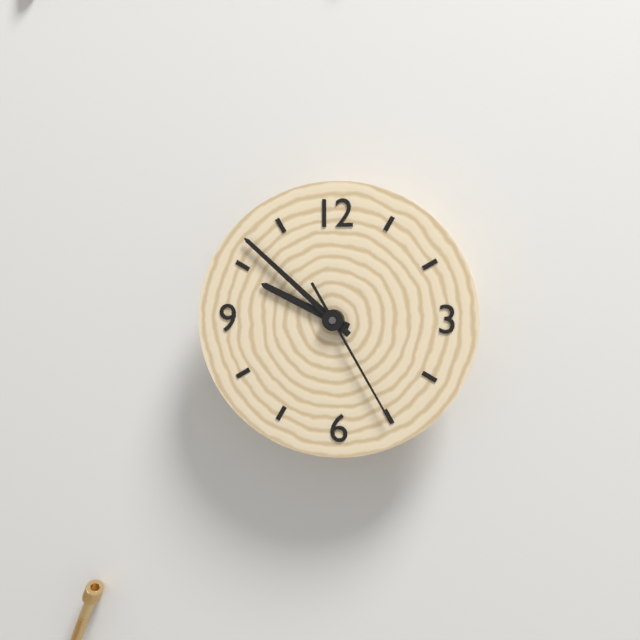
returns {"hour": 9, "minute": 52, "second": 25}
